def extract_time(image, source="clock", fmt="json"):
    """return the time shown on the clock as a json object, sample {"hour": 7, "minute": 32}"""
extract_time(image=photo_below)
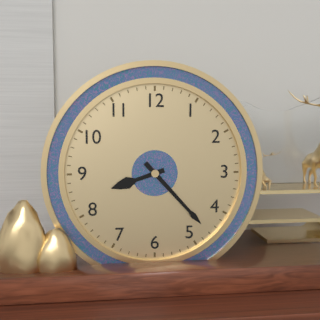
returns {"hour": 8, "minute": 23}
